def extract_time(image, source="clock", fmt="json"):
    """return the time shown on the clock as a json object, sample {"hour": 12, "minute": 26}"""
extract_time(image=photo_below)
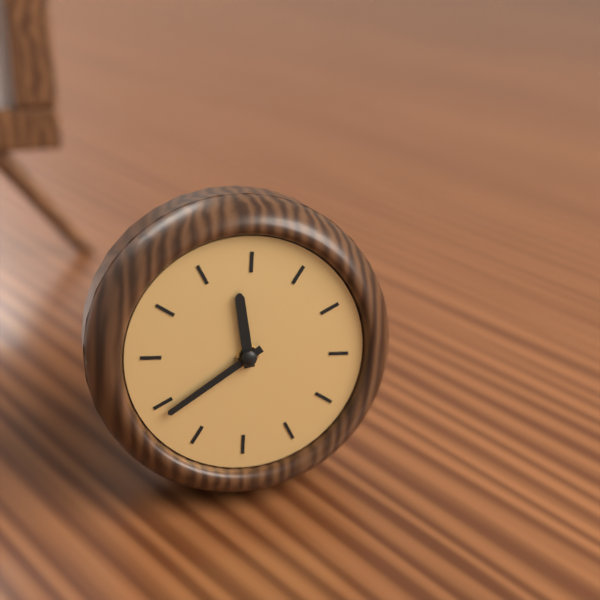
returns {"hour": 11, "minute": 39}
